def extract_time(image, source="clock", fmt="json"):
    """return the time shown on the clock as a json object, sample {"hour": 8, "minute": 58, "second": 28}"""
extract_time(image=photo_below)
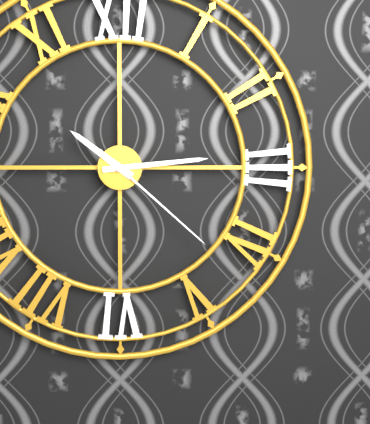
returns {"hour": 10, "minute": 14, "second": 22}
